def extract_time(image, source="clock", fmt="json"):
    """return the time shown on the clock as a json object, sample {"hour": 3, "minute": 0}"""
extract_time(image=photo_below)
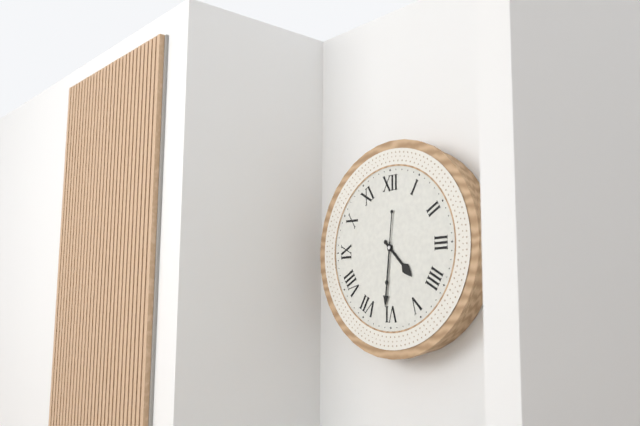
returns {"hour": 4, "minute": 31}
